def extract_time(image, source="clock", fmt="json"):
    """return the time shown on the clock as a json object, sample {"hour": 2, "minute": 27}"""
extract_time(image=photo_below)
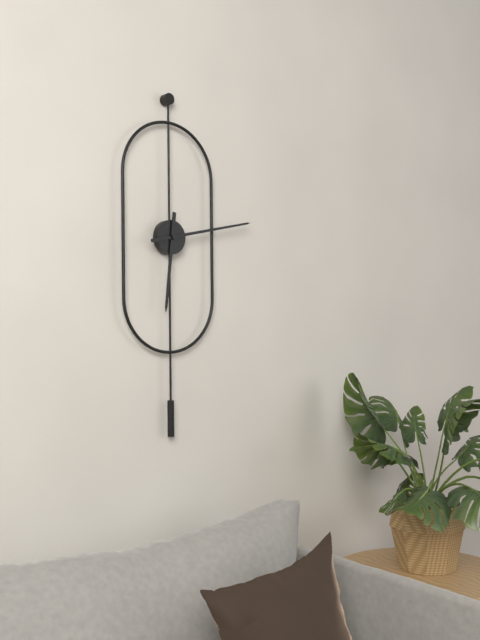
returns {"hour": 6, "minute": 13}
